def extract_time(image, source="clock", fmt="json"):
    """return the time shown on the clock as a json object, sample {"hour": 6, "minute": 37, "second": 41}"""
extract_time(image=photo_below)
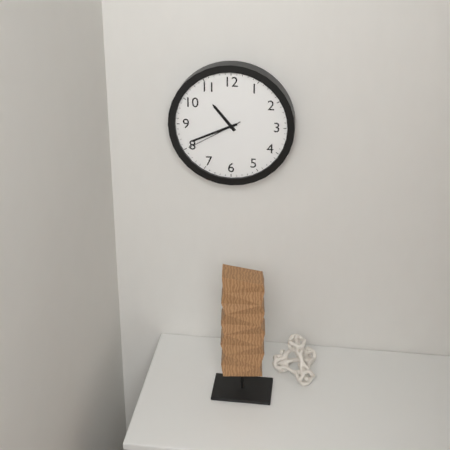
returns {"hour": 10, "minute": 41, "second": 40}
